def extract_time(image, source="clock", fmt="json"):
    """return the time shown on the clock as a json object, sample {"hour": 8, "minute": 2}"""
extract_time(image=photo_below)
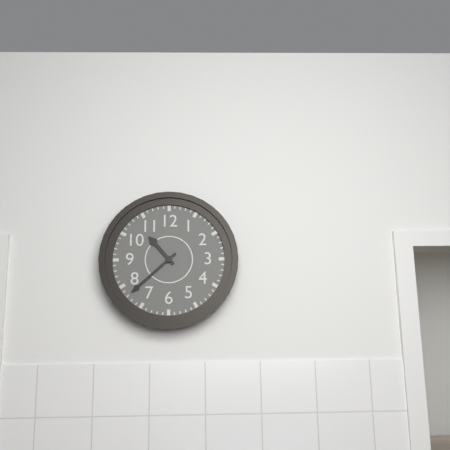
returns {"hour": 10, "minute": 38}
